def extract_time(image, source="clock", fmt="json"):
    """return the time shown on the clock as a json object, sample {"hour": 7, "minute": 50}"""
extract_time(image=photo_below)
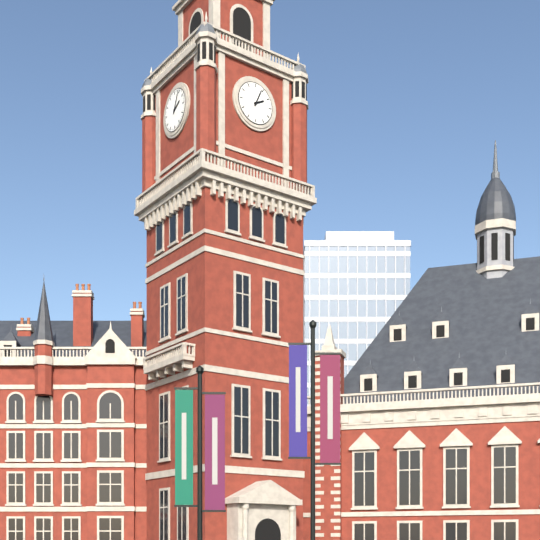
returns {"hour": 2, "minute": 4}
